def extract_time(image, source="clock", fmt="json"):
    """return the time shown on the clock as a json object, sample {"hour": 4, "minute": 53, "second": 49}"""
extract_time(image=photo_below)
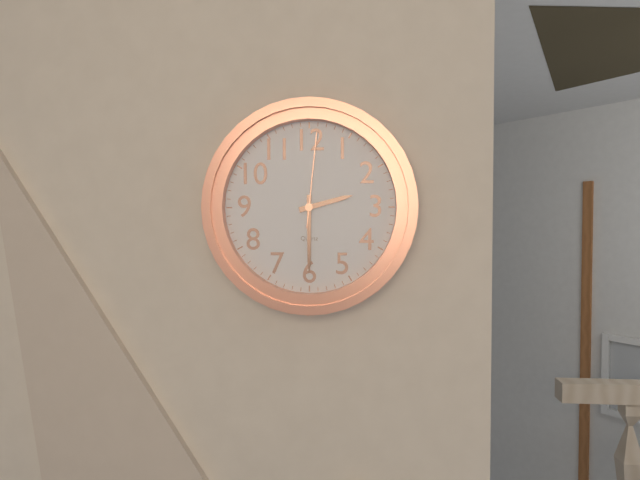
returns {"hour": 2, "minute": 30, "second": 1}
